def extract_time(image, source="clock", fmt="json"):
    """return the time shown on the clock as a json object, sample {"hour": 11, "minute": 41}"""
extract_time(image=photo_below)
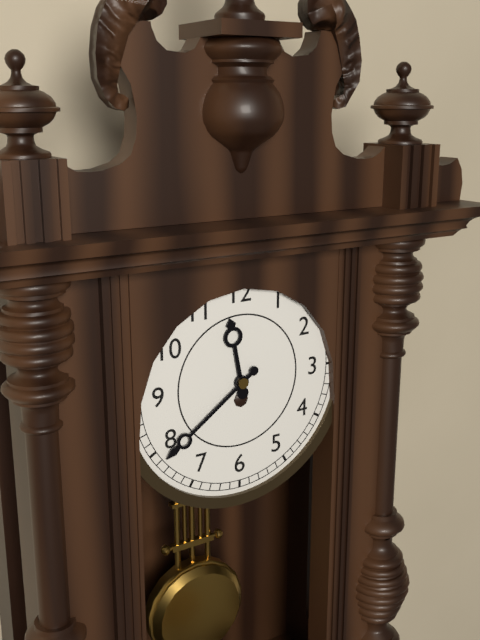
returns {"hour": 11, "minute": 39}
